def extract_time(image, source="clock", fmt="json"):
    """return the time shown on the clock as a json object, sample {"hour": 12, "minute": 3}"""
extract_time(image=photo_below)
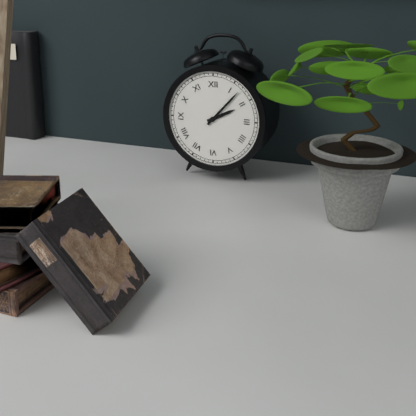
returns {"hour": 2, "minute": 7}
